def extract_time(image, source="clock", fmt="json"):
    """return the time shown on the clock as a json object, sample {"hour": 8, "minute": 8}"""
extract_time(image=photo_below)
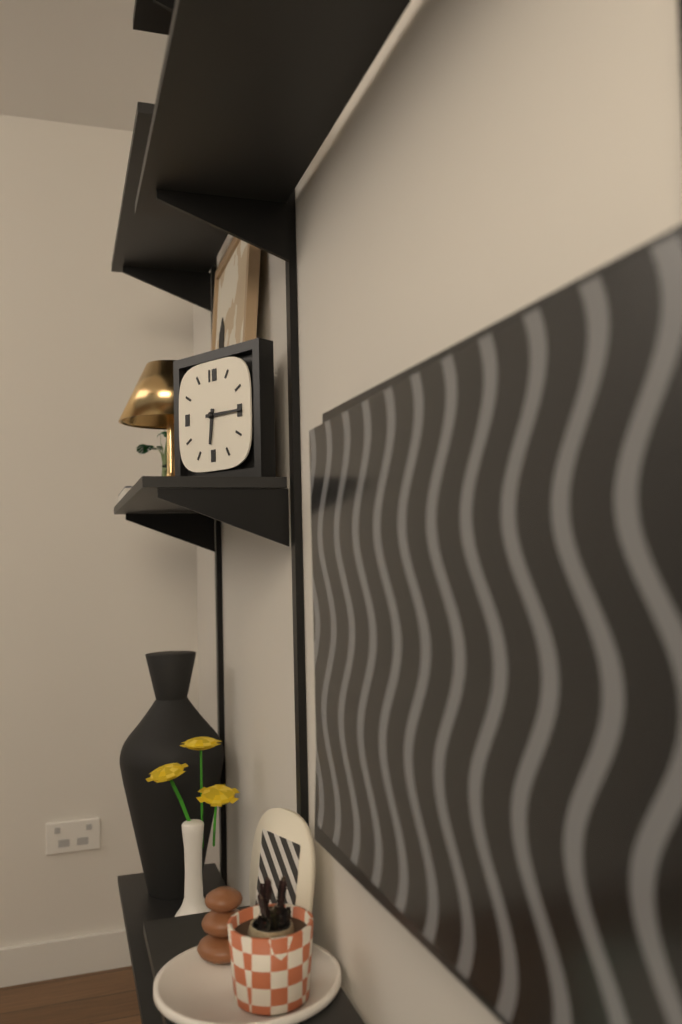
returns {"hour": 6, "minute": 15}
